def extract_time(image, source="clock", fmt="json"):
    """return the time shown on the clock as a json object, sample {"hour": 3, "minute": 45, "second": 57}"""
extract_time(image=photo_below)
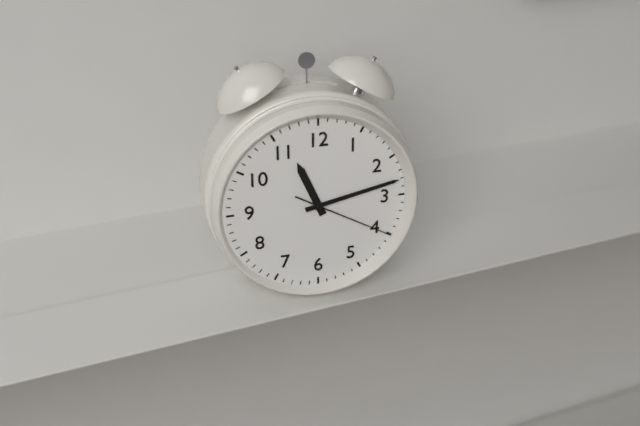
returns {"hour": 11, "minute": 13, "second": 20}
